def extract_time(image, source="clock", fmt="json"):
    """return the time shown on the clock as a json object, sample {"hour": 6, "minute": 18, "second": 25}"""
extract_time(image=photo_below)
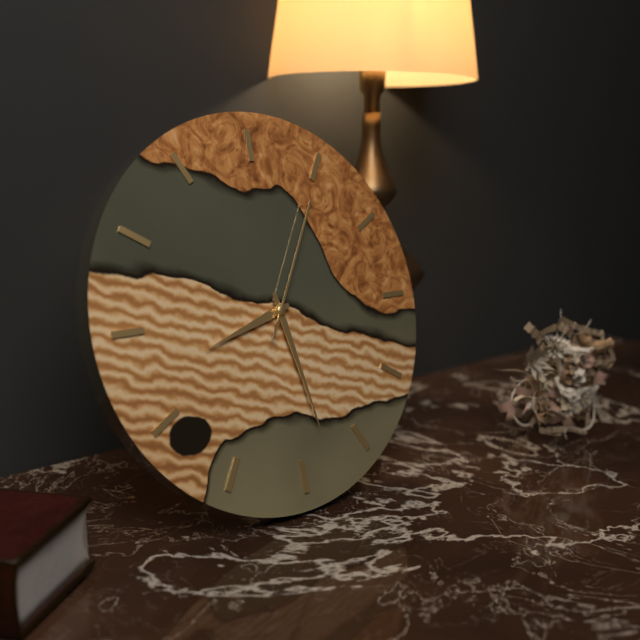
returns {"hour": 8, "minute": 28, "second": 5}
